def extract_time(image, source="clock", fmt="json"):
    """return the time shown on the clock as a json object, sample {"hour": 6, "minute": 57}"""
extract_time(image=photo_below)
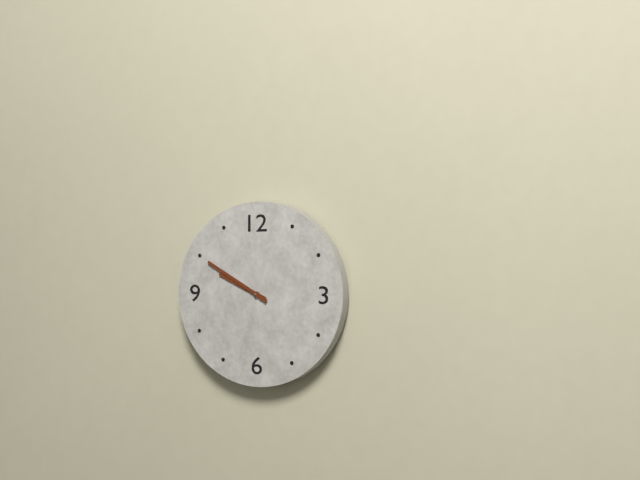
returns {"hour": 9, "minute": 50}
